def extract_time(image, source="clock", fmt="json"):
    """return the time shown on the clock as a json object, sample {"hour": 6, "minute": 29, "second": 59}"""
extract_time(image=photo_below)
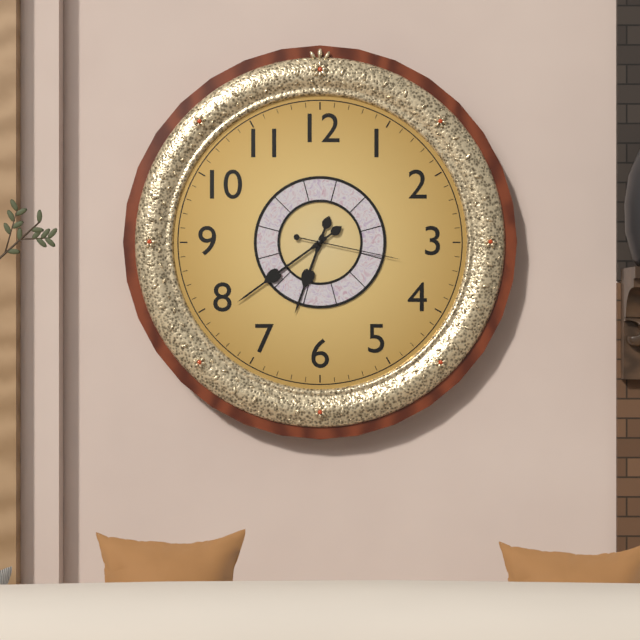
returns {"hour": 6, "minute": 39, "second": 17}
